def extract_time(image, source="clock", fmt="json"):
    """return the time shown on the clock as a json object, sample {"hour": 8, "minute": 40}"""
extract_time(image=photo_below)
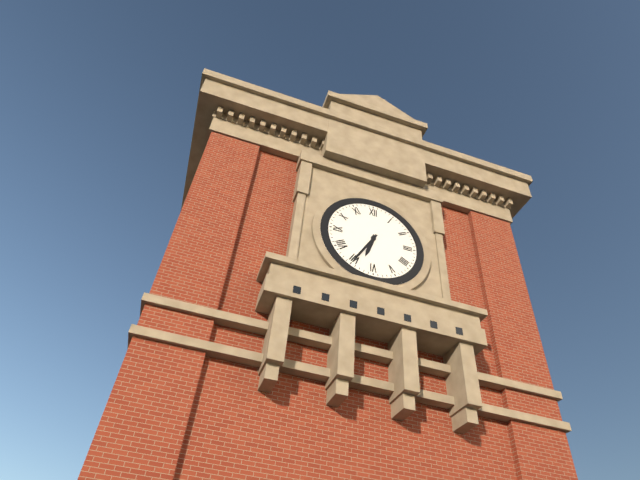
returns {"hour": 6, "minute": 35}
